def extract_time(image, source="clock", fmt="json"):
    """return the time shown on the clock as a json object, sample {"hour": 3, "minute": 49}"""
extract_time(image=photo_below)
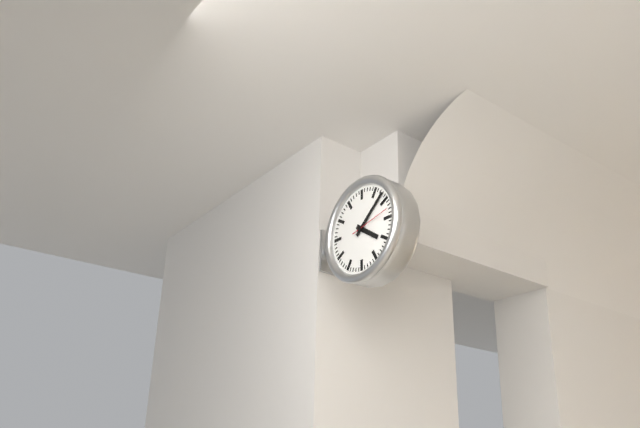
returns {"hour": 4, "minute": 8}
